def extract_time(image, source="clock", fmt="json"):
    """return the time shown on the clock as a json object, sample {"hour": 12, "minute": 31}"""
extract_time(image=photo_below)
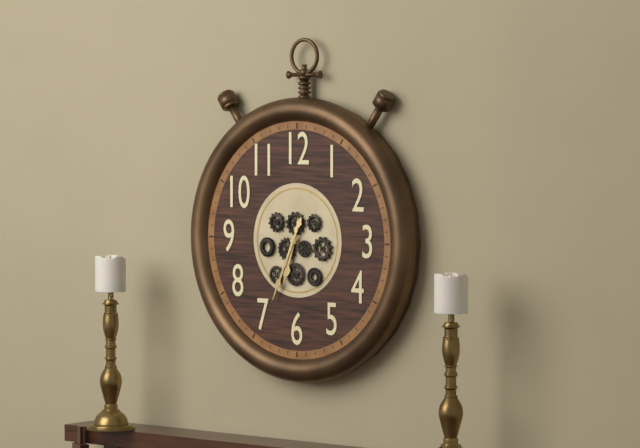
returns {"hour": 6, "minute": 34}
